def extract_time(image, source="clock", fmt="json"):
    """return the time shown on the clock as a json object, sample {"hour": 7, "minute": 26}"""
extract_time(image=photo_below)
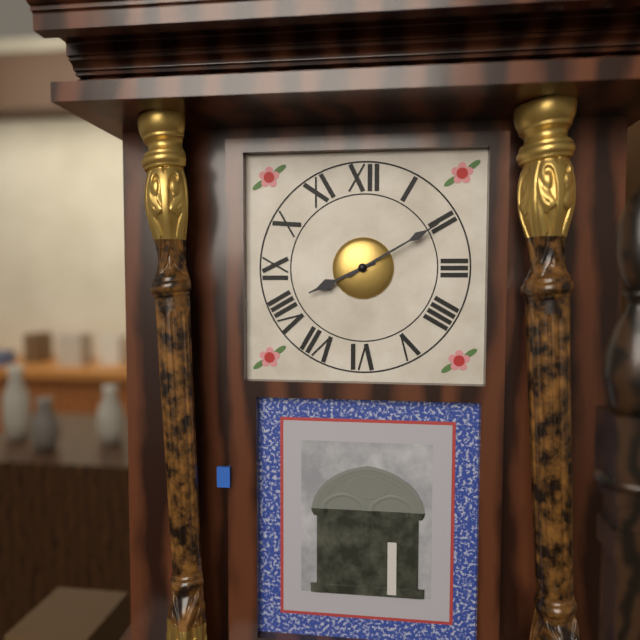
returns {"hour": 8, "minute": 10}
